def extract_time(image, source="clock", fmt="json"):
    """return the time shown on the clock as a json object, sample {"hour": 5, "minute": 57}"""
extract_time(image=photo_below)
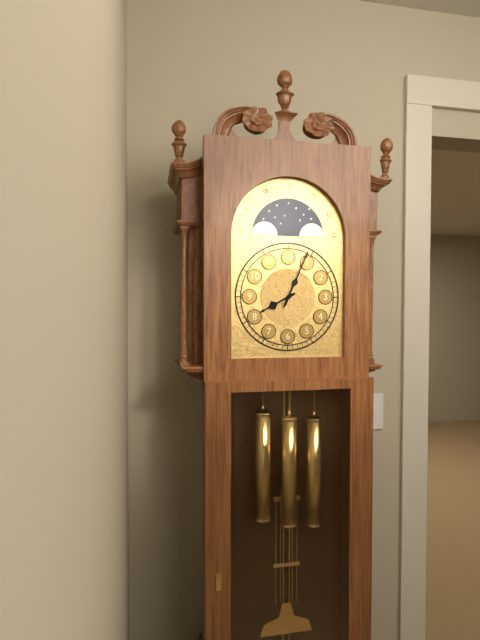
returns {"hour": 8, "minute": 4}
